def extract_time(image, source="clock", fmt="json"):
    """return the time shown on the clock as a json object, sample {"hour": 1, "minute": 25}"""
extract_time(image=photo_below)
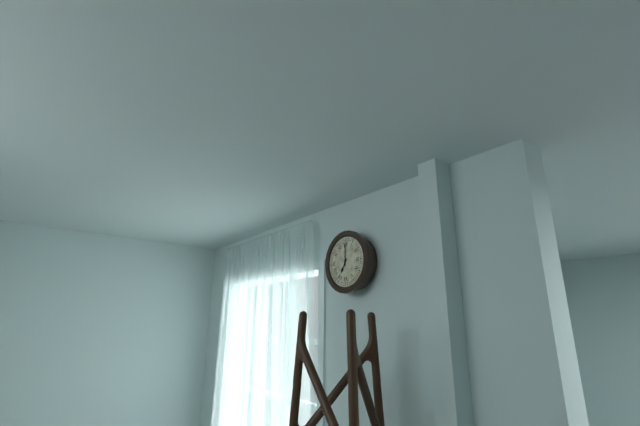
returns {"hour": 7, "minute": 0}
